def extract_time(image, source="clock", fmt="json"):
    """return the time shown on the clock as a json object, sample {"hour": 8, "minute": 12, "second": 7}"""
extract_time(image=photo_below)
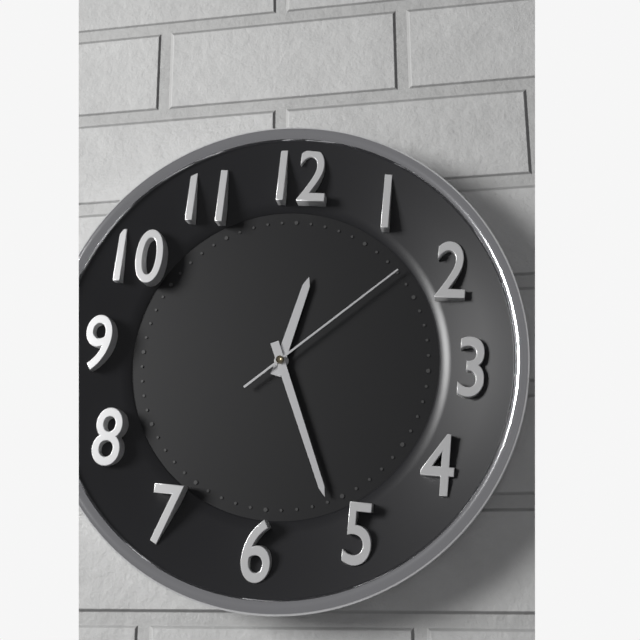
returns {"hour": 12, "minute": 26, "second": 8}
